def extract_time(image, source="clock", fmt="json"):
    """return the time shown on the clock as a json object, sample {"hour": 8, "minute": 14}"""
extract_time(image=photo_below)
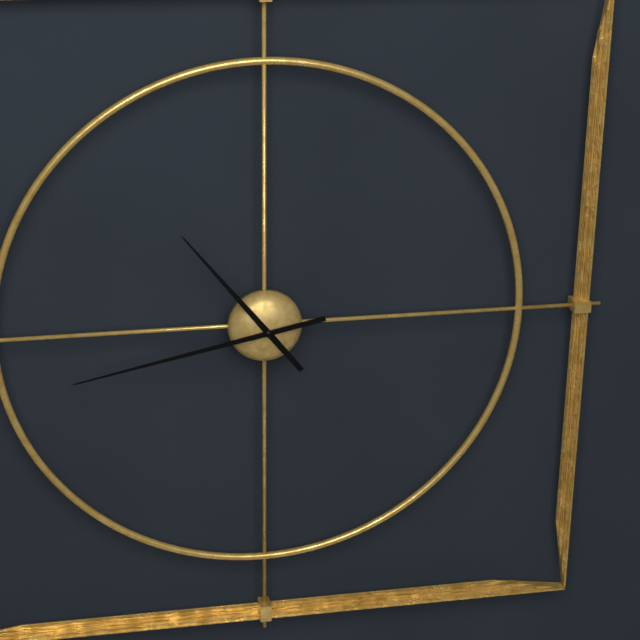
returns {"hour": 10, "minute": 43}
